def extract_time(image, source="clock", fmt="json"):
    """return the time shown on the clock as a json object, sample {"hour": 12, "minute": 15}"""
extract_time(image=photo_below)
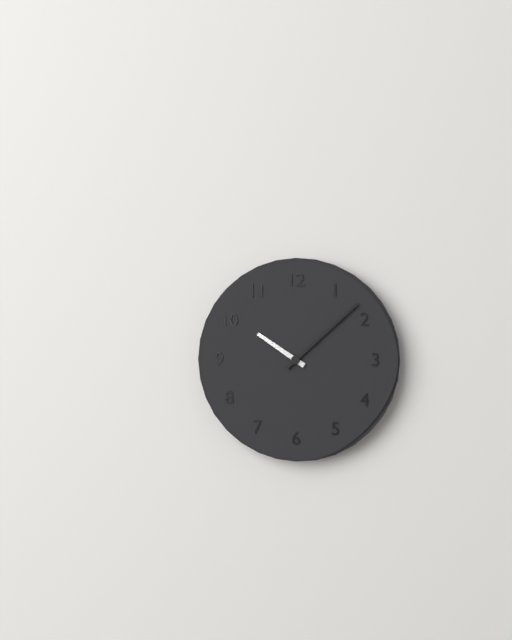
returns {"hour": 10, "minute": 8}
